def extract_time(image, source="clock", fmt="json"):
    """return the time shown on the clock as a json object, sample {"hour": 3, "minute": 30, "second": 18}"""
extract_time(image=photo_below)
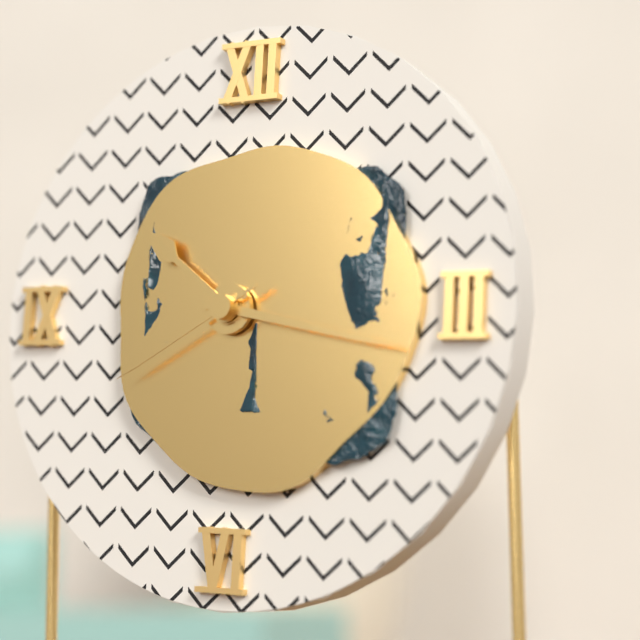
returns {"hour": 10, "minute": 17, "second": 40}
